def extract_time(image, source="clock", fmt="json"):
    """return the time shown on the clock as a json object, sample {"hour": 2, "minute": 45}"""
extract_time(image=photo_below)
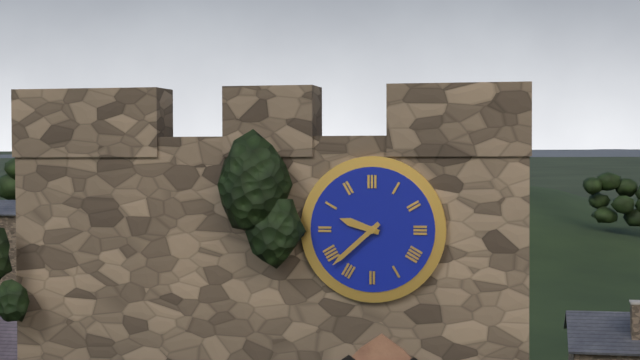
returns {"hour": 9, "minute": 38}
